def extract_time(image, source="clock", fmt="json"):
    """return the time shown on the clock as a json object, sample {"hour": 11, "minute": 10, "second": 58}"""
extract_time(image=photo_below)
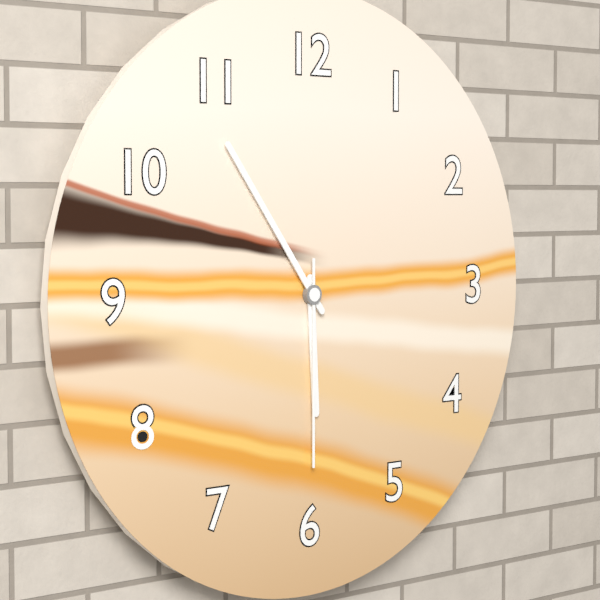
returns {"hour": 5, "minute": 54, "second": 30}
